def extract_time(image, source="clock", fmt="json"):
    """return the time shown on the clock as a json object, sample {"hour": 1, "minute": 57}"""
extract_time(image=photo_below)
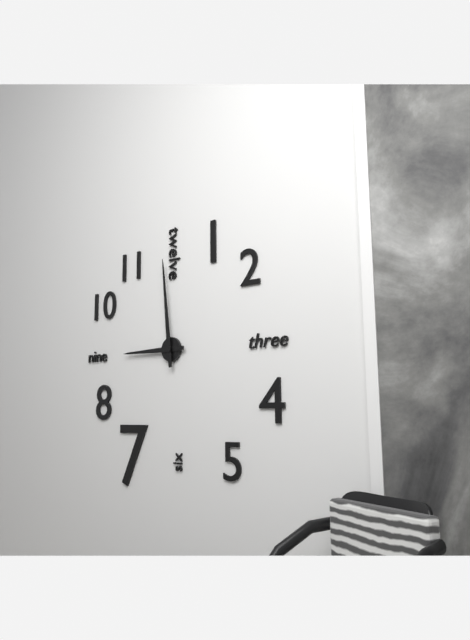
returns {"hour": 8, "minute": 59}
